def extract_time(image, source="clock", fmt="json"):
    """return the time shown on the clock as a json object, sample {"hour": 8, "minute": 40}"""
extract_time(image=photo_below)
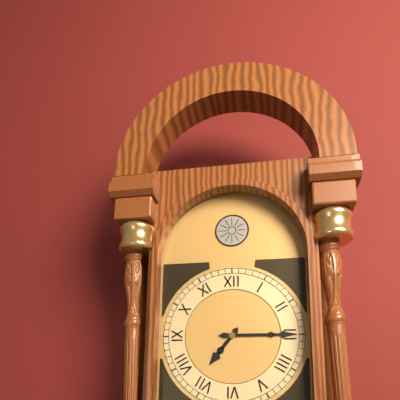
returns {"hour": 7, "minute": 15}
